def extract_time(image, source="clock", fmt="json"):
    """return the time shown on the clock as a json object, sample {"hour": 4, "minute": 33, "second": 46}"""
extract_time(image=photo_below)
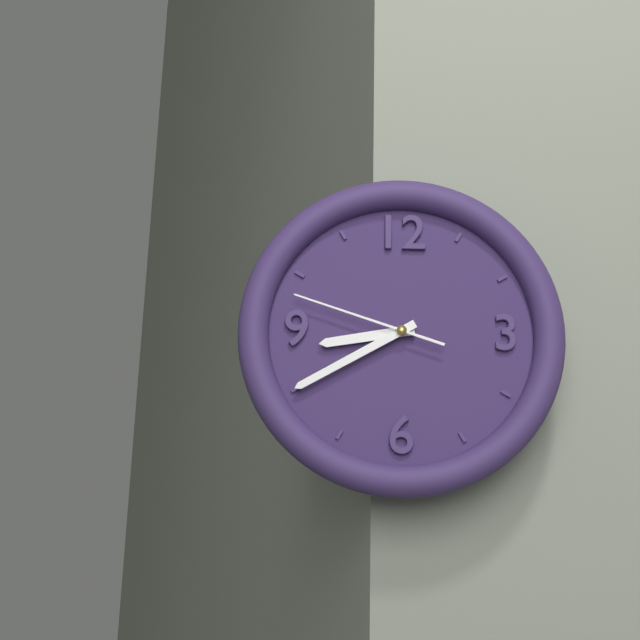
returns {"hour": 8, "minute": 40, "second": 48}
